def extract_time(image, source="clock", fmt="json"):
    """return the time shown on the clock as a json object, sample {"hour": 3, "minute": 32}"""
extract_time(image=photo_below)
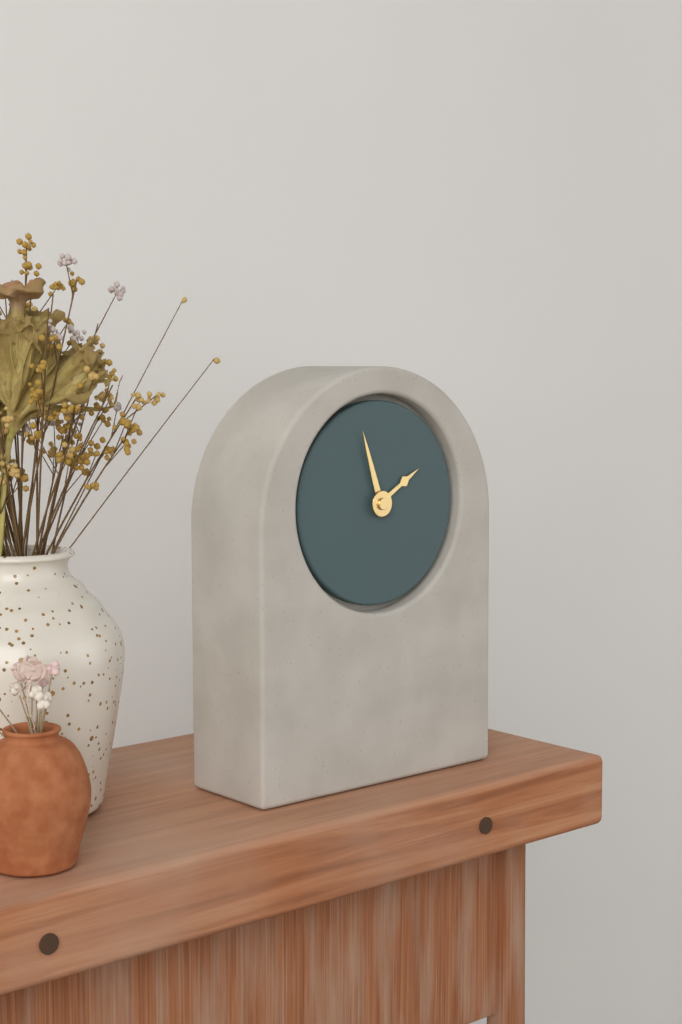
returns {"hour": 1, "minute": 57}
